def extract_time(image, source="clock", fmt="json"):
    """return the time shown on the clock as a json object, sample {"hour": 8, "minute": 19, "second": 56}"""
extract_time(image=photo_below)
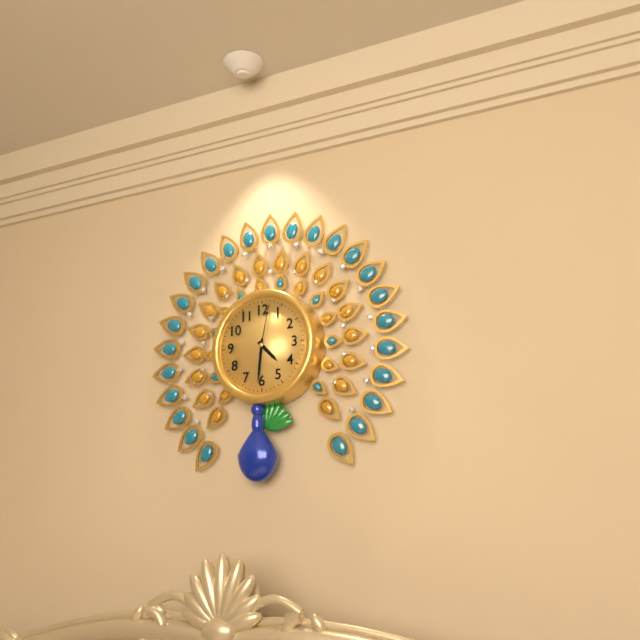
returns {"hour": 4, "minute": 31, "second": 2}
